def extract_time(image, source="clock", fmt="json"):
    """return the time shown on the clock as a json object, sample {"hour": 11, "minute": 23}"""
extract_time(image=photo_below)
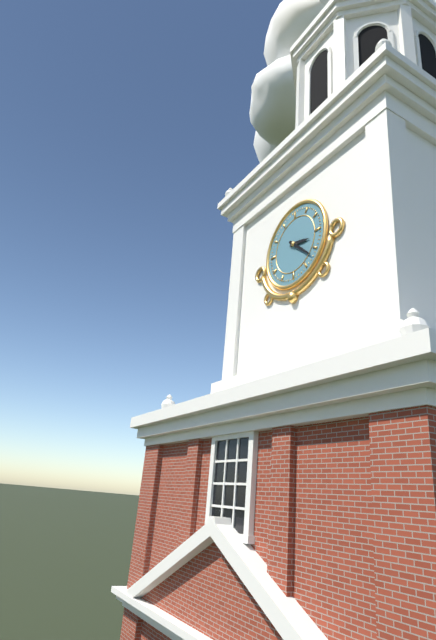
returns {"hour": 3, "minute": 22}
